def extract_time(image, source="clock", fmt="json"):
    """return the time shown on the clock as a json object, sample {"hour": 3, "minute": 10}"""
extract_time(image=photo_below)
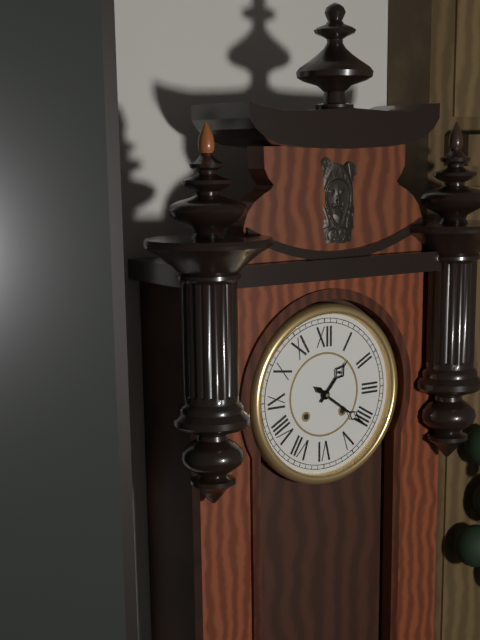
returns {"hour": 1, "minute": 21}
